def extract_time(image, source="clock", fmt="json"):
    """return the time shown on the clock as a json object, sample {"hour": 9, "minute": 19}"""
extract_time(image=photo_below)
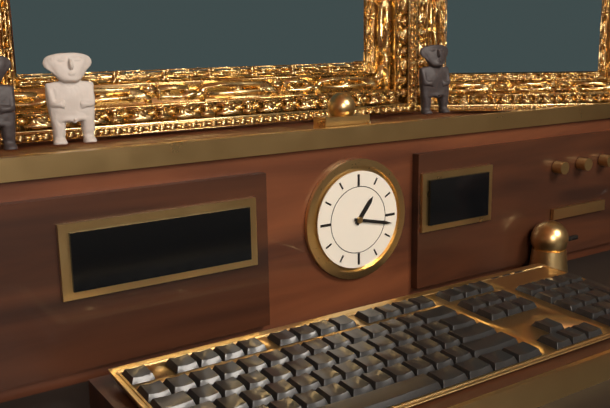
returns {"hour": 1, "minute": 17}
